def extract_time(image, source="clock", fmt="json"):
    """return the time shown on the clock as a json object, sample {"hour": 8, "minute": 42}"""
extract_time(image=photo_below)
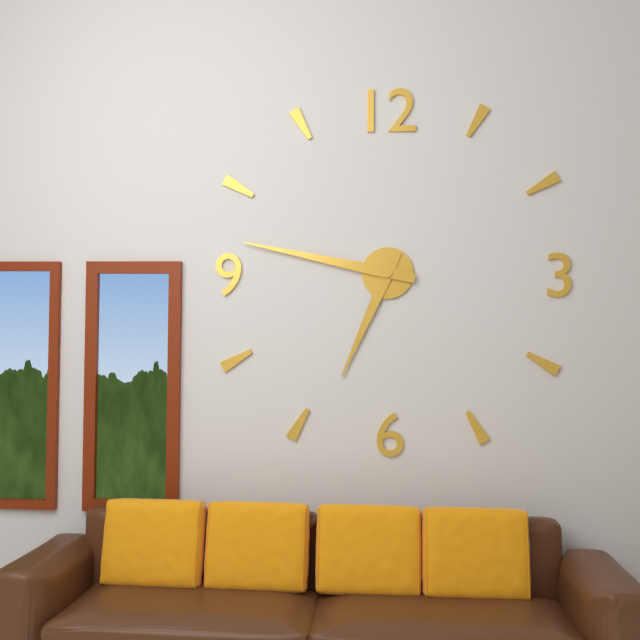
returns {"hour": 6, "minute": 47}
